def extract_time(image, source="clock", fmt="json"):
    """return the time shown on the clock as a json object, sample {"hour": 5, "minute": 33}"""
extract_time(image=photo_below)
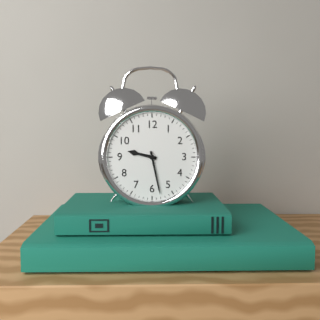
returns {"hour": 9, "minute": 28}
